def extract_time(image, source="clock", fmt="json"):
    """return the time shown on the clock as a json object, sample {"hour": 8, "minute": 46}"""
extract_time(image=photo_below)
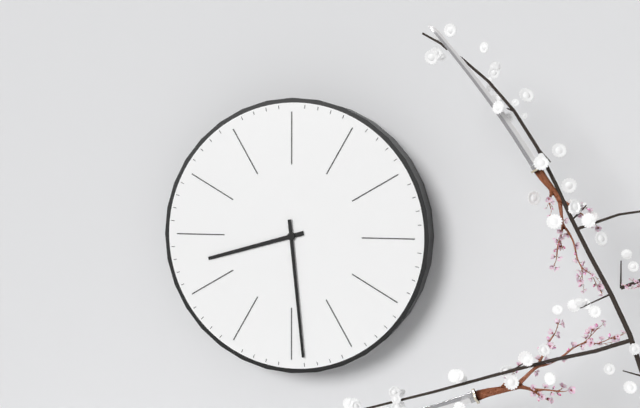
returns {"hour": 8, "minute": 29}
